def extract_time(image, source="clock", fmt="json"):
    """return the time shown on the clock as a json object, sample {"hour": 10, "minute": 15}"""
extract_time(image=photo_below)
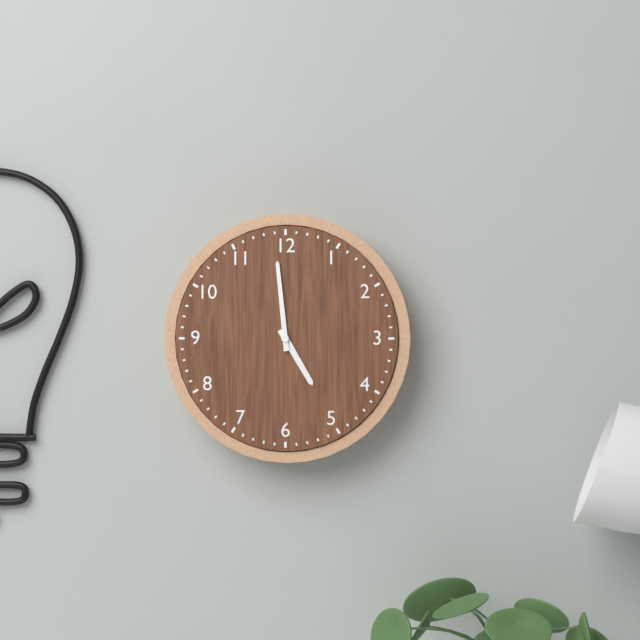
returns {"hour": 4, "minute": 59}
